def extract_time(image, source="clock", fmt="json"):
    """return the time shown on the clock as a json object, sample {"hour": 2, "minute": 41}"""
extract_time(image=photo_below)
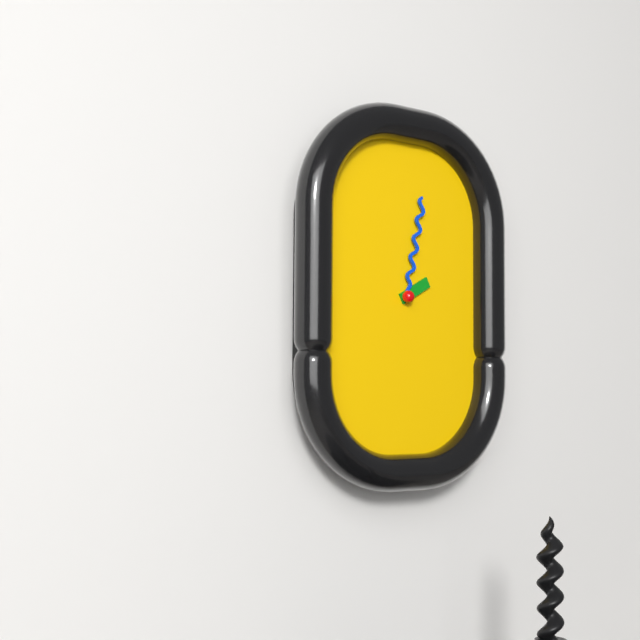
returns {"hour": 2, "minute": 2}
